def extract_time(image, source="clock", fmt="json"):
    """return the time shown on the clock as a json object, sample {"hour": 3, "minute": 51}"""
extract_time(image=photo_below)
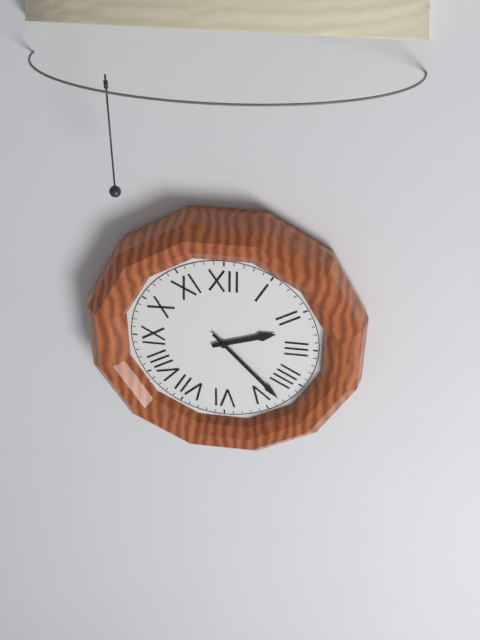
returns {"hour": 2, "minute": 23}
